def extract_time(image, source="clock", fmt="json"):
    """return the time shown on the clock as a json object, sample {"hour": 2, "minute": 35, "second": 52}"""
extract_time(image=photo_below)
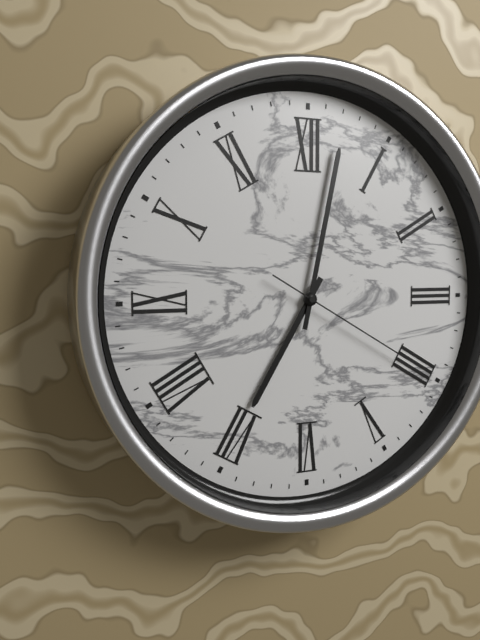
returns {"hour": 7, "minute": 2, "second": 20}
